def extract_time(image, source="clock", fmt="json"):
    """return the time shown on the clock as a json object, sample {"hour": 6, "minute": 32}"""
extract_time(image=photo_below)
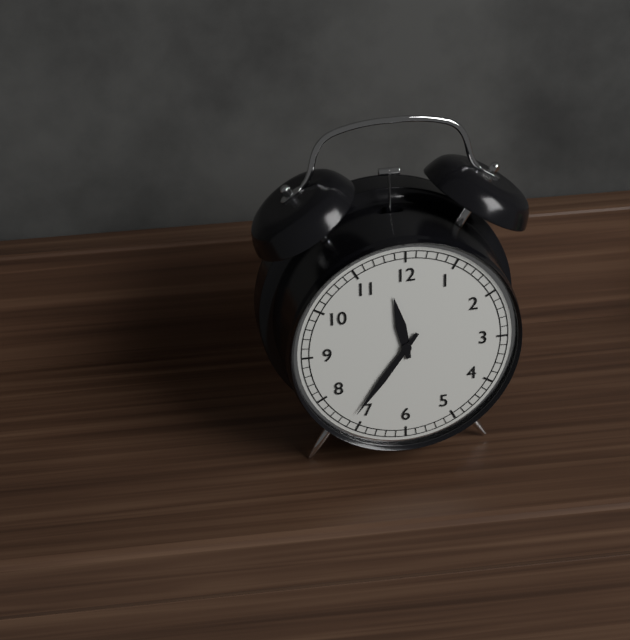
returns {"hour": 11, "minute": 36}
